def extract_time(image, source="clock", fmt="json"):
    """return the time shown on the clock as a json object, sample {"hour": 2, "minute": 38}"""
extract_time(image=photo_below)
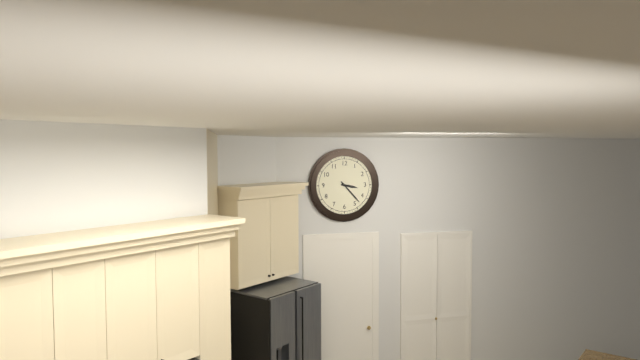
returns {"hour": 3, "minute": 23}
